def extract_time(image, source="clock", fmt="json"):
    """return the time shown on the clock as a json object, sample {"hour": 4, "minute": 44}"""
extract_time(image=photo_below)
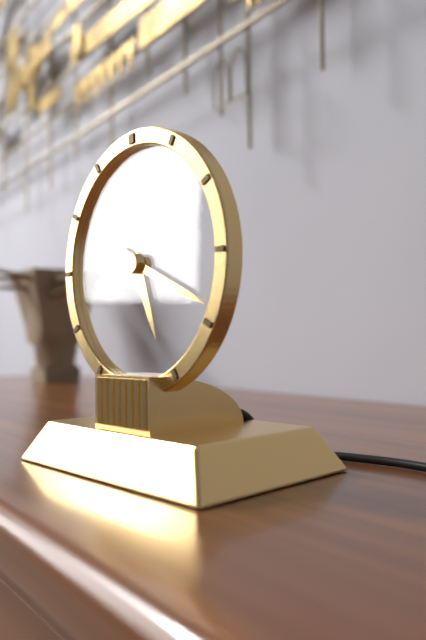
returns {"hour": 5, "minute": 19}
